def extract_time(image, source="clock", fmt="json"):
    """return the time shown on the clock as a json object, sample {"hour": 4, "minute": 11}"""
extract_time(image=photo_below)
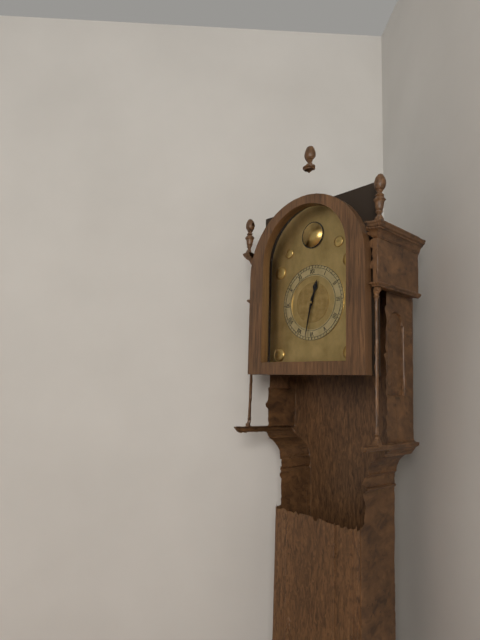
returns {"hour": 12, "minute": 32}
